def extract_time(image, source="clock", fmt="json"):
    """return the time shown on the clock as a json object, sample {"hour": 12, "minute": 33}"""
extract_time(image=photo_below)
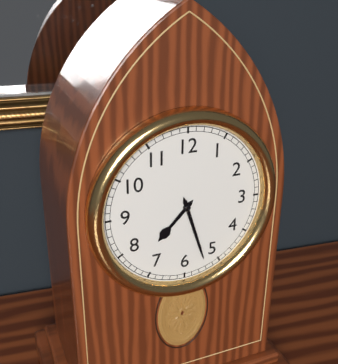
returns {"hour": 7, "minute": 27}
